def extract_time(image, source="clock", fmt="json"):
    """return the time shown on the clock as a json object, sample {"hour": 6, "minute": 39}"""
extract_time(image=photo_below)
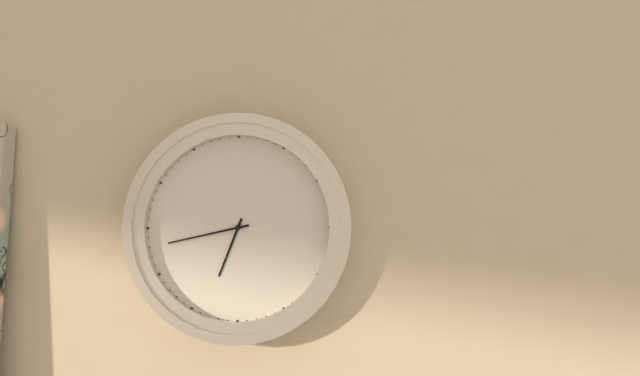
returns {"hour": 6, "minute": 43}
